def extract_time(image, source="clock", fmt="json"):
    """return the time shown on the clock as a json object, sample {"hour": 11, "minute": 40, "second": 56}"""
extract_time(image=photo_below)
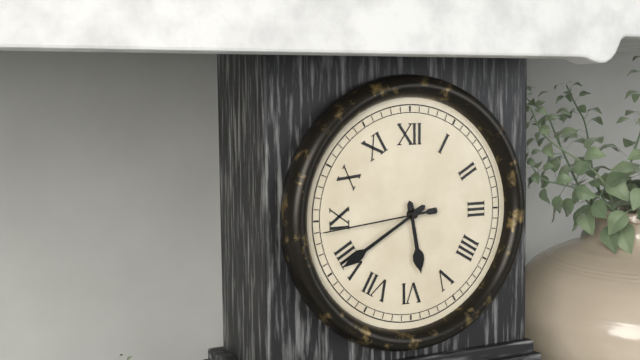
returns {"hour": 5, "minute": 40, "second": 44}
